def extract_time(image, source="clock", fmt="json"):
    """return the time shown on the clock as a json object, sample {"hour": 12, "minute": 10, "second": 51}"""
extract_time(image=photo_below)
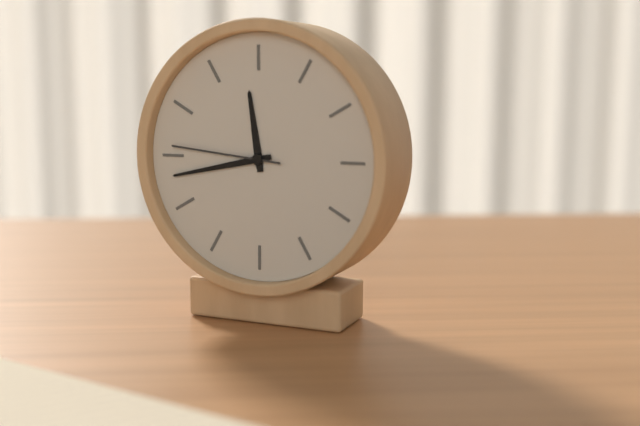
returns {"hour": 11, "minute": 43, "second": 46}
